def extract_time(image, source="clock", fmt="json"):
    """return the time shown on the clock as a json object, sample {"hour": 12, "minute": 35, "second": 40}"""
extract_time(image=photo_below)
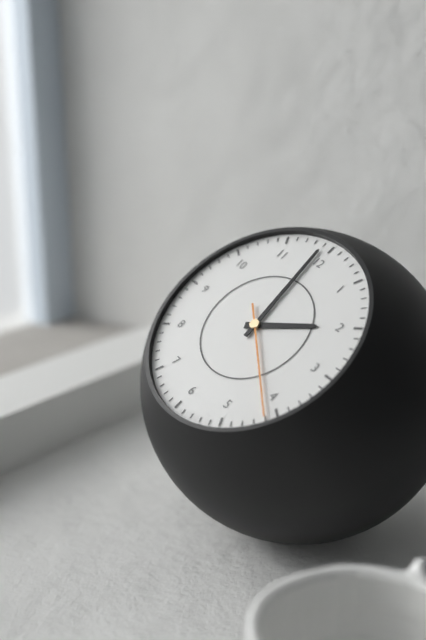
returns {"hour": 1, "minute": 59, "second": 21}
